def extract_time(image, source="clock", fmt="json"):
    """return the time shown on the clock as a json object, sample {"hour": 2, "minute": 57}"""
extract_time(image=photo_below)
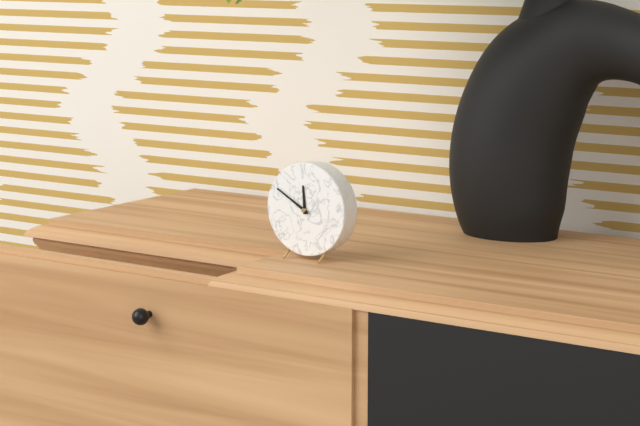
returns {"hour": 11, "minute": 50}
